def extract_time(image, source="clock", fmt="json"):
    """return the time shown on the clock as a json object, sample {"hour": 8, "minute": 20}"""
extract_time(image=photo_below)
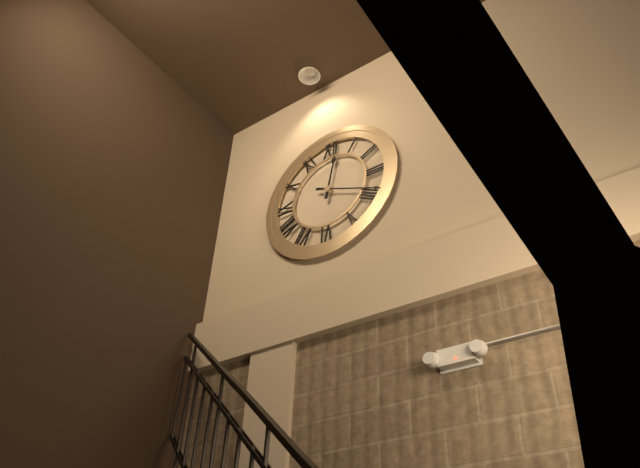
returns {"hour": 12, "minute": 19}
